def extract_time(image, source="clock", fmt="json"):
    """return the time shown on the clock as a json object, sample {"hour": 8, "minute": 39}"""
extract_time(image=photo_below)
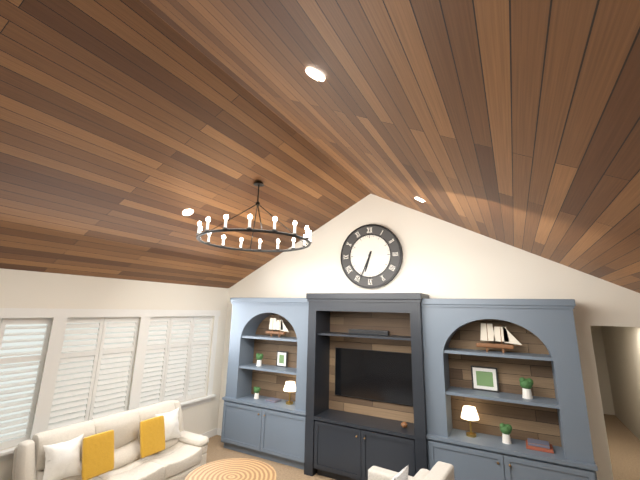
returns {"hour": 6, "minute": 34}
